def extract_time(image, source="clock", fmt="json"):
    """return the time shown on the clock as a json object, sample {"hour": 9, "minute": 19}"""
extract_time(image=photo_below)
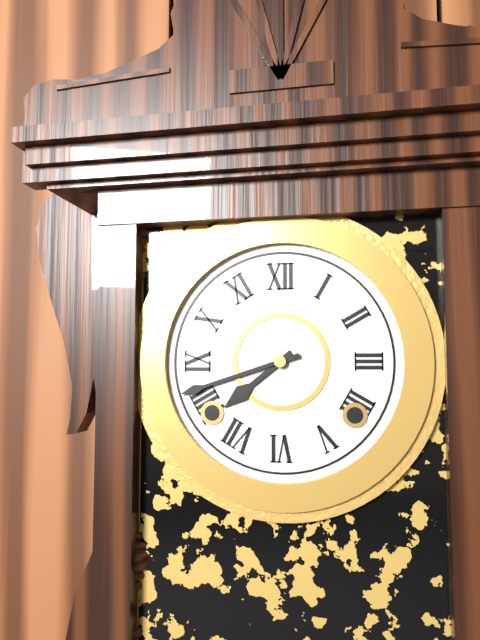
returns {"hour": 7, "minute": 42}
